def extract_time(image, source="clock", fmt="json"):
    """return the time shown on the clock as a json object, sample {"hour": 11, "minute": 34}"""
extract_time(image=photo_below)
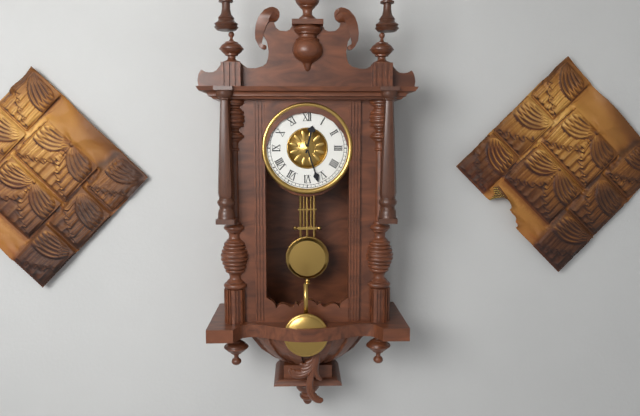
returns {"hour": 12, "minute": 27}
